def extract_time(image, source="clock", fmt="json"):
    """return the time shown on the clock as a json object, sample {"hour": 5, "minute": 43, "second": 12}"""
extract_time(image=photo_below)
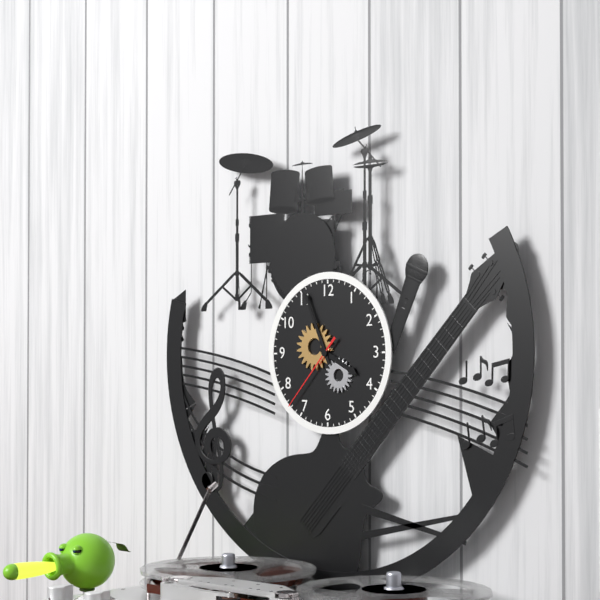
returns {"hour": 3, "minute": 56, "second": 37}
